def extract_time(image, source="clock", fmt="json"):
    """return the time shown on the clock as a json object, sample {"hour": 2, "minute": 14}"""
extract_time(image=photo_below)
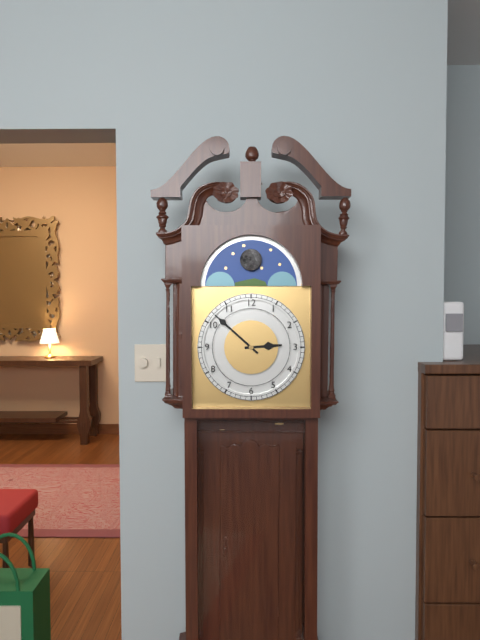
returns {"hour": 2, "minute": 52}
